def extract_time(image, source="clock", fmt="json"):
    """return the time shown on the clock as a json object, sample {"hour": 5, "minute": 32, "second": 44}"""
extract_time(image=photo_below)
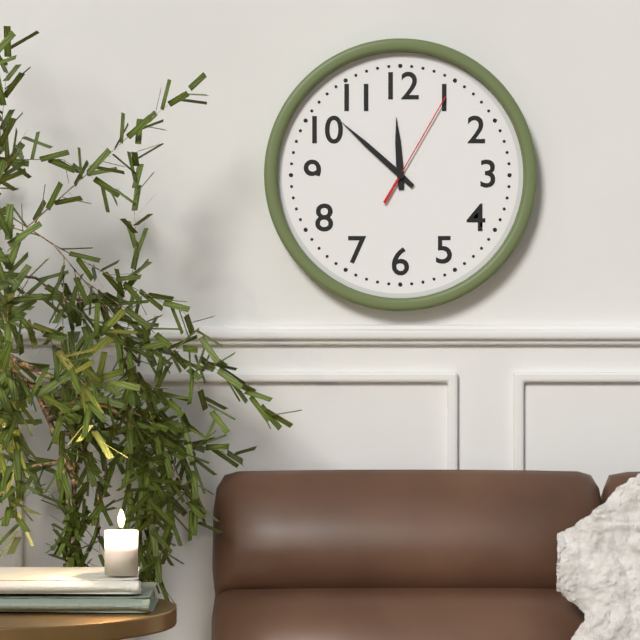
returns {"hour": 11, "minute": 52, "second": 5}
